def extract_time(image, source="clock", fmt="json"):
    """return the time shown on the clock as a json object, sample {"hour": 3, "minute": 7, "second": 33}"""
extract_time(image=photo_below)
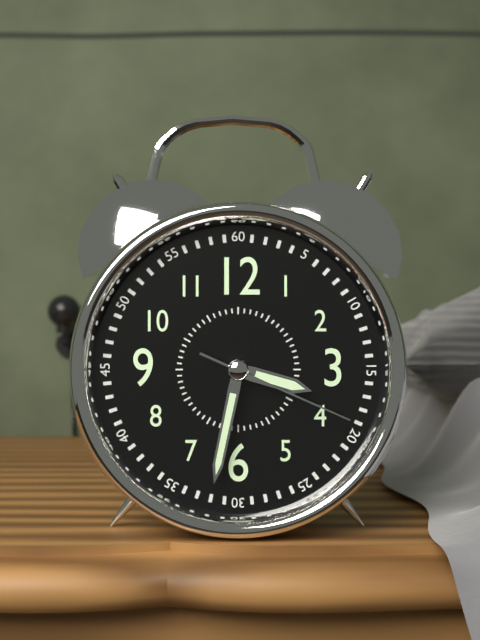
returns {"hour": 3, "minute": 32, "second": 19}
